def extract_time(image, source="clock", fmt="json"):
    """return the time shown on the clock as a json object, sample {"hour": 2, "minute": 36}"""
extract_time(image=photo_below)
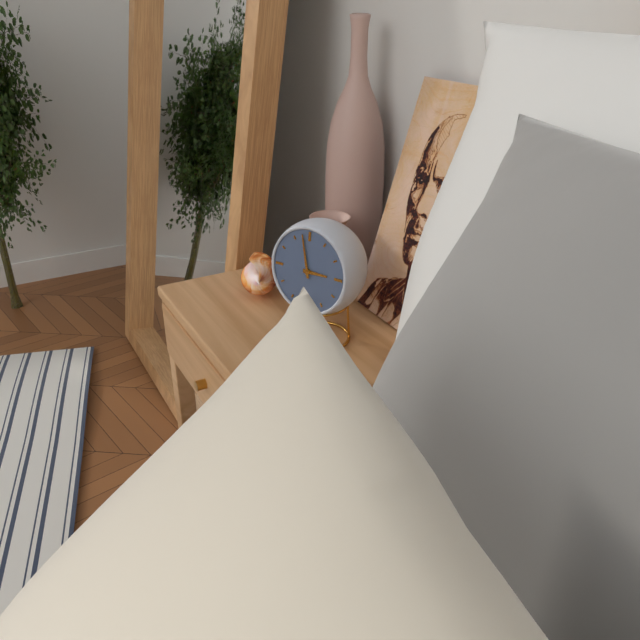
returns {"hour": 2, "minute": 58}
